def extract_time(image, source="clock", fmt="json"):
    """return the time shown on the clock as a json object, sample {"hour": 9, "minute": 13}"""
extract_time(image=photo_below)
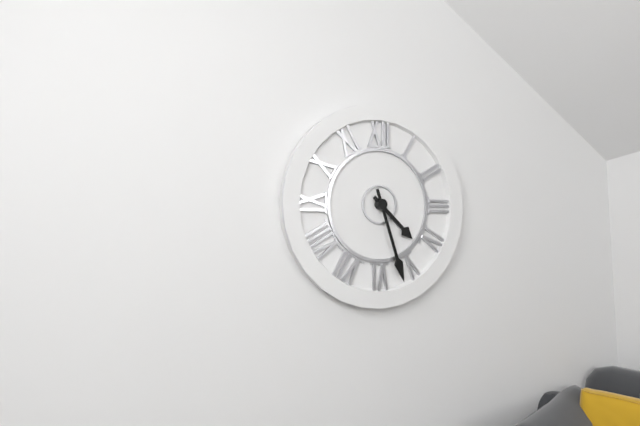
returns {"hour": 4, "minute": 27}
